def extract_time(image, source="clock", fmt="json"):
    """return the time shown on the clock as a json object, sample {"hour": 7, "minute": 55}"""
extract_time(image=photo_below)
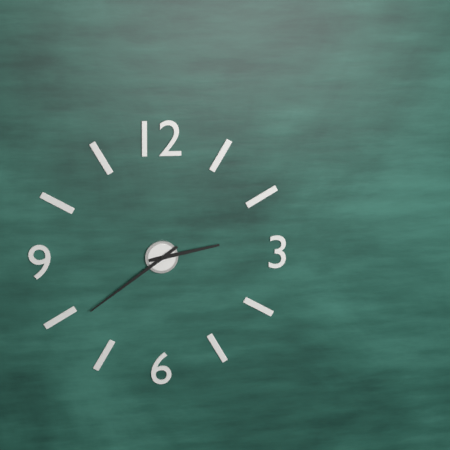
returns {"hour": 2, "minute": 39}
